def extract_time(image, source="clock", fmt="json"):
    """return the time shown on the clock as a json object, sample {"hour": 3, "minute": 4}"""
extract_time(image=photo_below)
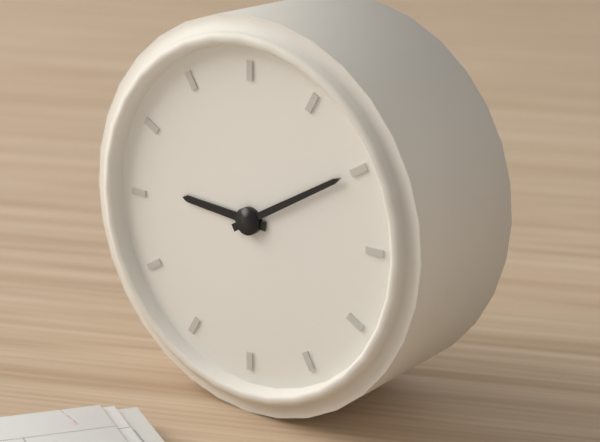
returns {"hour": 9, "minute": 10}
